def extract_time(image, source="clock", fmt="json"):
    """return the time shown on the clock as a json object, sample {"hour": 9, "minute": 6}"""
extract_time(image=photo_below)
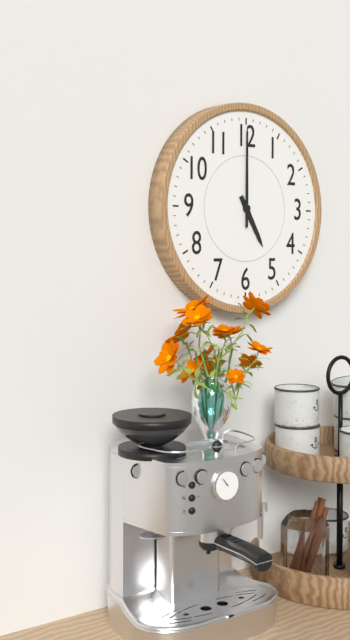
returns {"hour": 5, "minute": 0}
